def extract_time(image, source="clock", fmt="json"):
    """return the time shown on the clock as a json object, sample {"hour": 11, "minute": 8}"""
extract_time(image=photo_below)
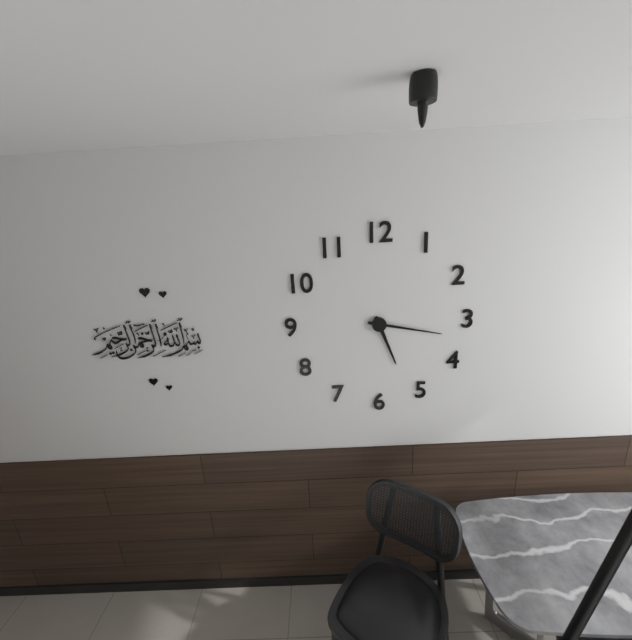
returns {"hour": 5, "minute": 17}
